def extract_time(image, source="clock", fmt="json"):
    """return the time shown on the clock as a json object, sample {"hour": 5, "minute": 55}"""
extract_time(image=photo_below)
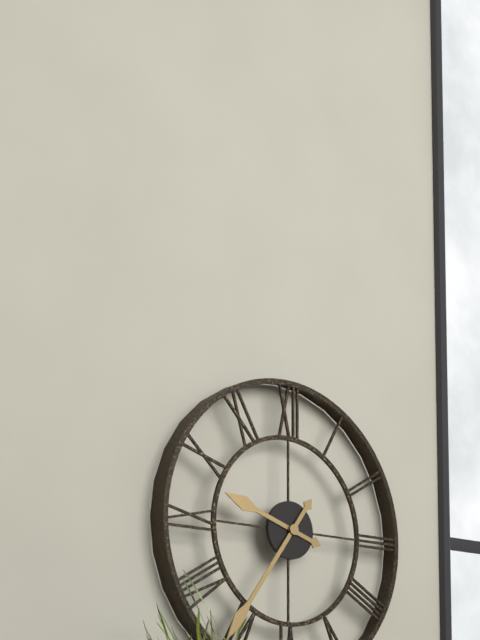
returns {"hour": 9, "minute": 36}
